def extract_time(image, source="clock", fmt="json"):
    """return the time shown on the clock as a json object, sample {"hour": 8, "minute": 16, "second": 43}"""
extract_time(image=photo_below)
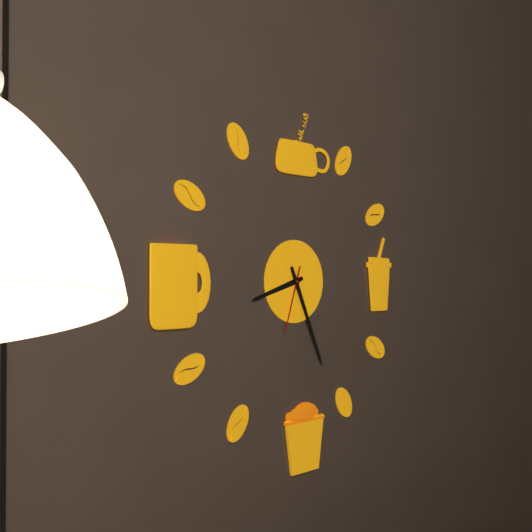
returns {"hour": 8, "minute": 26, "second": 33}
